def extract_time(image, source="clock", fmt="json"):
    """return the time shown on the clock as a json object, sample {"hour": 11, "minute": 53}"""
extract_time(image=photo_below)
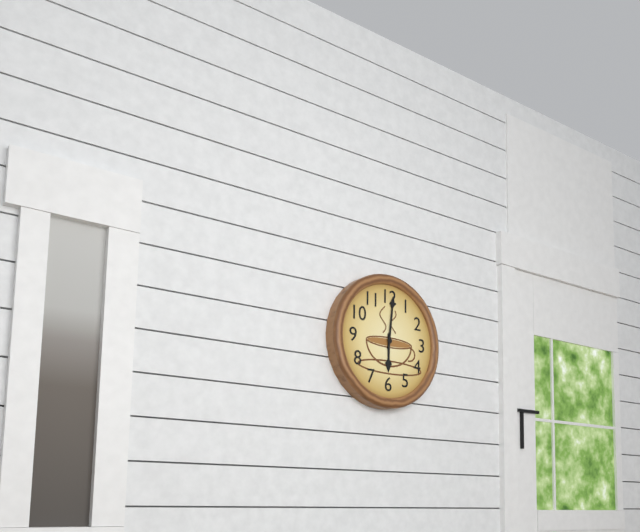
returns {"hour": 6, "minute": 1}
